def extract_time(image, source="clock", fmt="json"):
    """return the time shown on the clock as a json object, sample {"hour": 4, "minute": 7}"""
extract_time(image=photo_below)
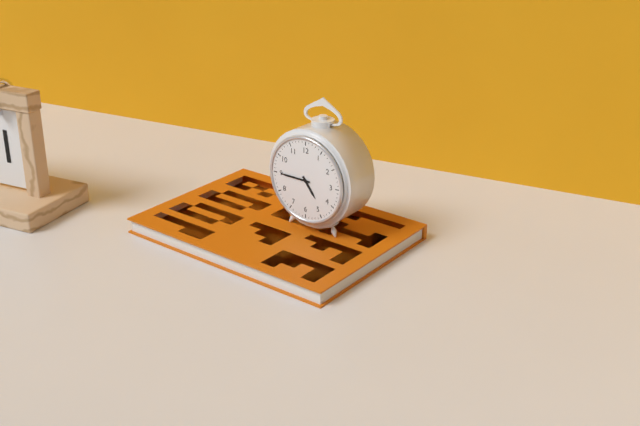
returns {"hour": 4, "minute": 45}
